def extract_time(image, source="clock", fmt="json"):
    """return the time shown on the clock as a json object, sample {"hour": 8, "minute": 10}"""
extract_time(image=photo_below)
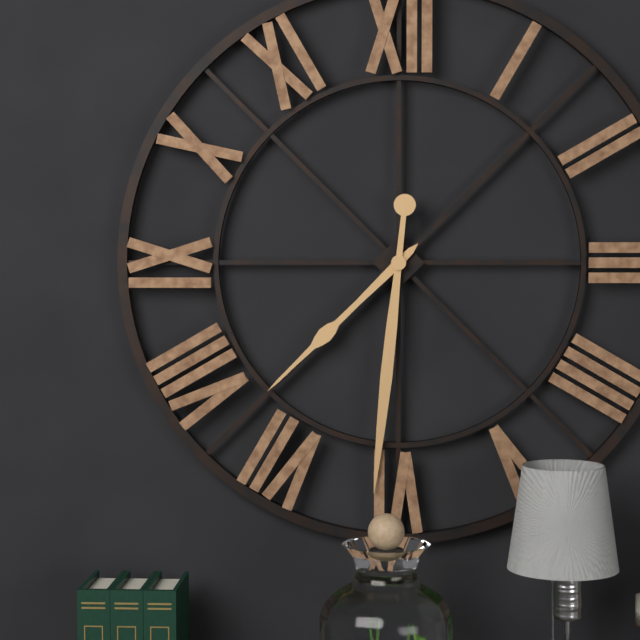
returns {"hour": 7, "minute": 31}
